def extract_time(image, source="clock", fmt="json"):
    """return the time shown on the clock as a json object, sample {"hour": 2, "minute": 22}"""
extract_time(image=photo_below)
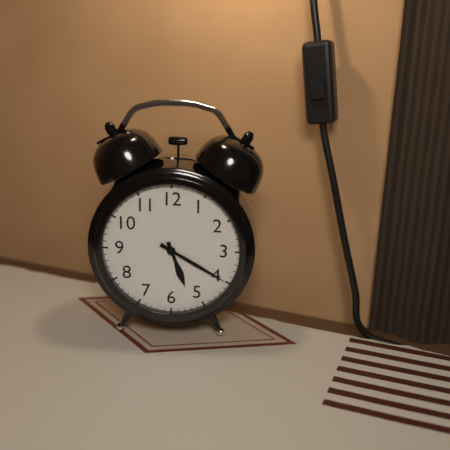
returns {"hour": 5, "minute": 20}
